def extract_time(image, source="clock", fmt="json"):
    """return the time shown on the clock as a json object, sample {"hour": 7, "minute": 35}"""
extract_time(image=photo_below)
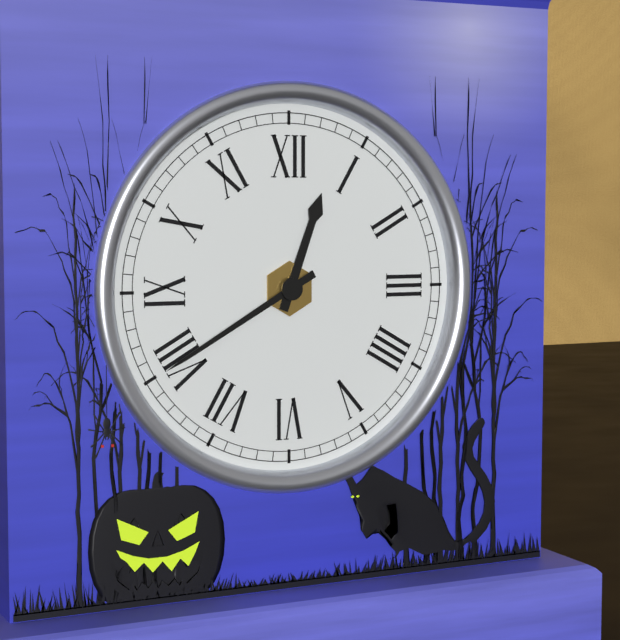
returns {"hour": 12, "minute": 40}
